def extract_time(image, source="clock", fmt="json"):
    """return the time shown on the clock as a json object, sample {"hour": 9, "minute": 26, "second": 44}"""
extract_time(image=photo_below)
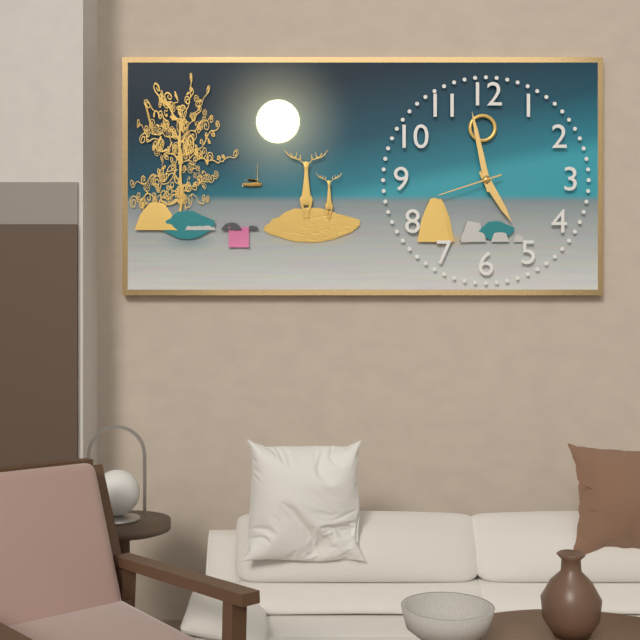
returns {"hour": 4, "minute": 58, "second": 42}
